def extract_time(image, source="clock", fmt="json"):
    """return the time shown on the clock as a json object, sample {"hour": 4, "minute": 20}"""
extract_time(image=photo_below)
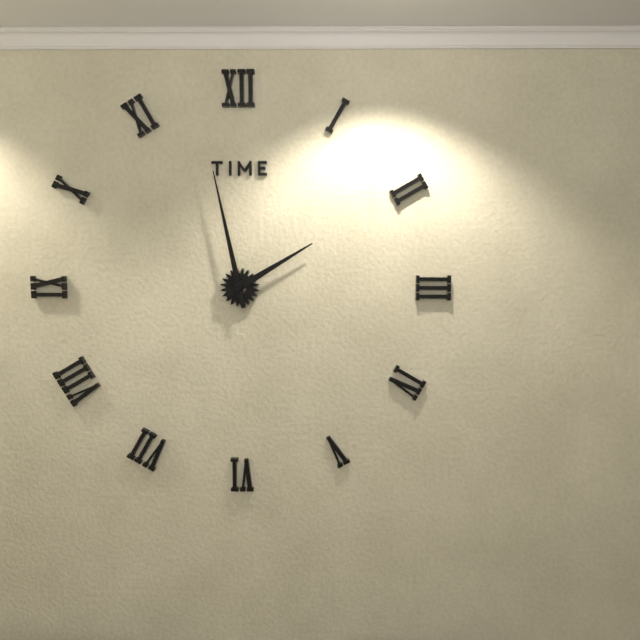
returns {"hour": 1, "minute": 58}
